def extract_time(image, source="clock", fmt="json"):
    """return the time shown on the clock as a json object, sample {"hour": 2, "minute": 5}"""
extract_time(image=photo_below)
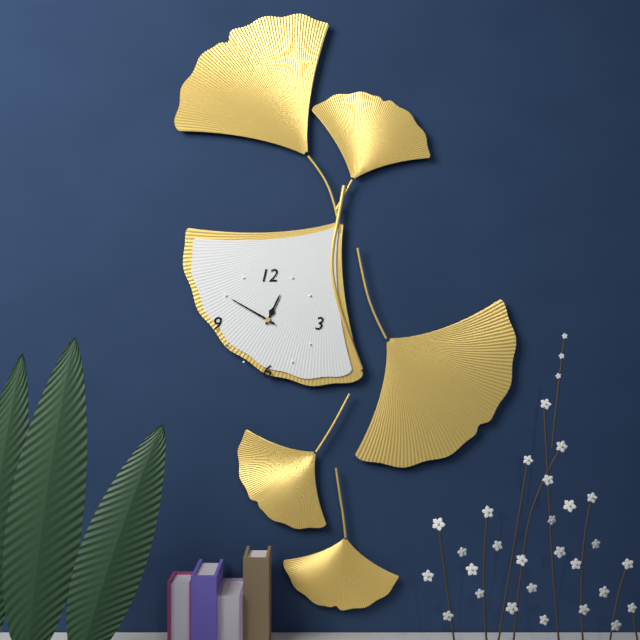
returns {"hour": 12, "minute": 50}
